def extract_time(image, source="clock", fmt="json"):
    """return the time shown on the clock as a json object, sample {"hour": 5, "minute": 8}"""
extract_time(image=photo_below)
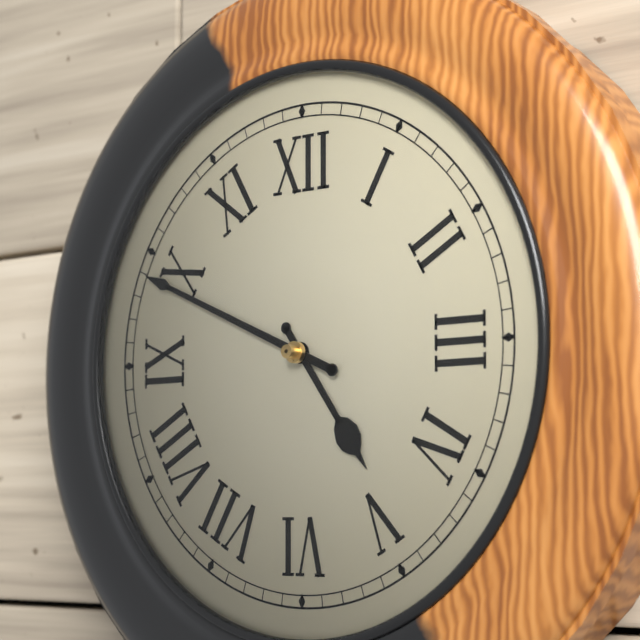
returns {"hour": 4, "minute": 49}
